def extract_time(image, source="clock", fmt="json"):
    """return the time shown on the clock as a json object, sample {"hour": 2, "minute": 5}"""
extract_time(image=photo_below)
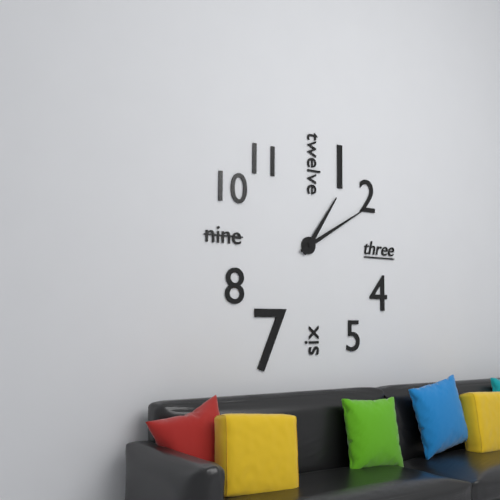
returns {"hour": 1, "minute": 10}
